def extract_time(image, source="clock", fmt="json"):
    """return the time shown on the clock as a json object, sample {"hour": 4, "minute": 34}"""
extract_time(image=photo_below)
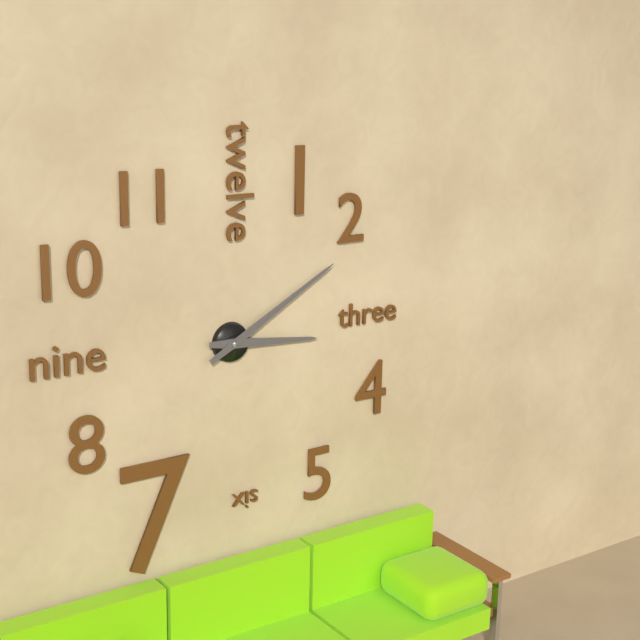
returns {"hour": 3, "minute": 10}
